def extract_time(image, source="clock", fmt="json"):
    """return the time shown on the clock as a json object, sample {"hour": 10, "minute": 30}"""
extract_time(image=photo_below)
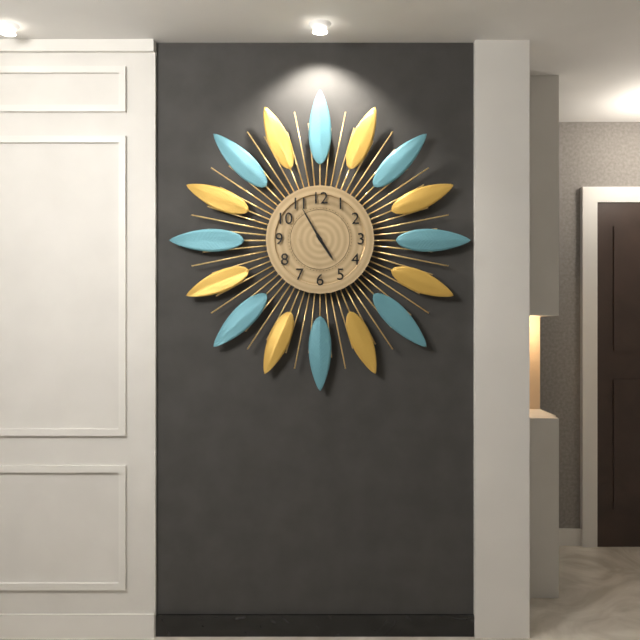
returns {"hour": 4, "minute": 55}
